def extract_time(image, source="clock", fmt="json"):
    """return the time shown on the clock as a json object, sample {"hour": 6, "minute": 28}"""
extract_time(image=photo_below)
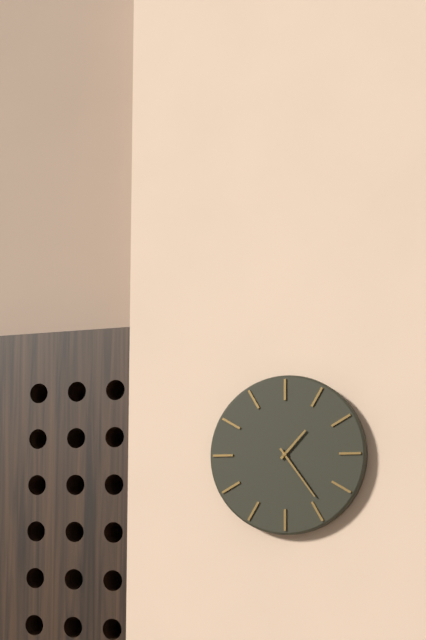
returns {"hour": 1, "minute": 24}
